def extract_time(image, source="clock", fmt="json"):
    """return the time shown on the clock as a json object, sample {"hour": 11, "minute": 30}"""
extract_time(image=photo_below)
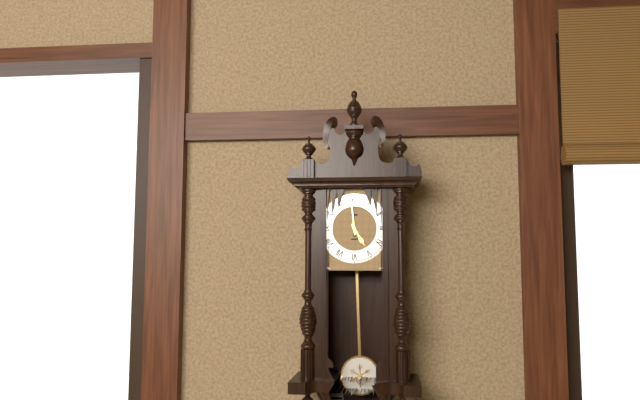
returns {"hour": 4, "minute": 59}
